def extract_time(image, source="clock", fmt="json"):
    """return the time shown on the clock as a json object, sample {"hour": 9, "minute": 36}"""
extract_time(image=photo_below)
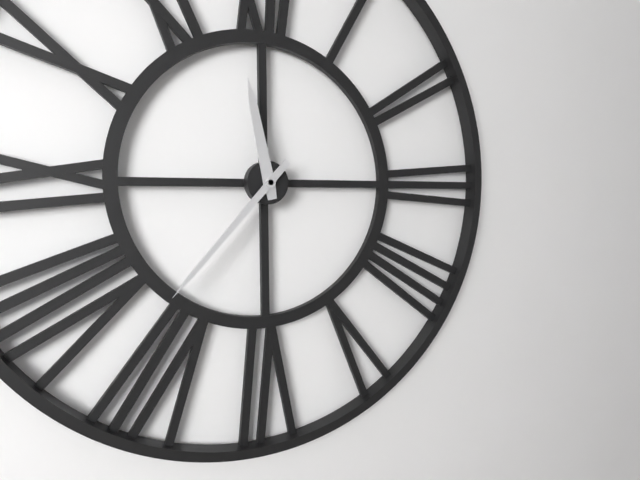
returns {"hour": 11, "minute": 37}
